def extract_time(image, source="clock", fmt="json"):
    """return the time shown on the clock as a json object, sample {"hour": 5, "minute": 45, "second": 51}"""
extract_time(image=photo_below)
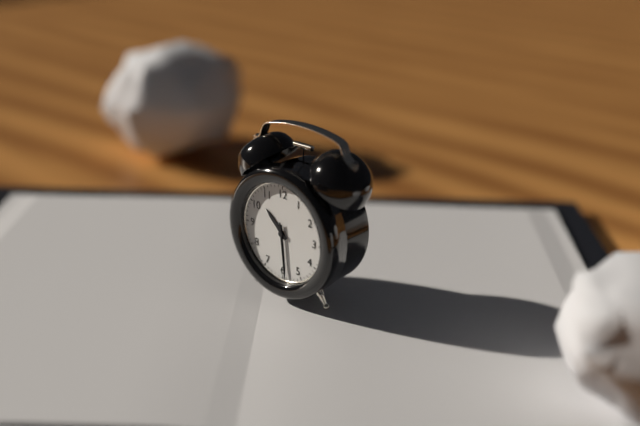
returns {"hour": 10, "minute": 29, "second": 29}
